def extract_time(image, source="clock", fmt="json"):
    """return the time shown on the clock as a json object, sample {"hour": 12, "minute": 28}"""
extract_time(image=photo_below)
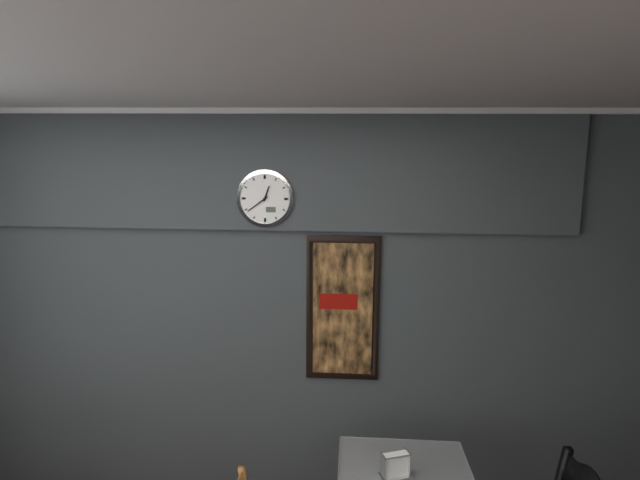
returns {"hour": 12, "minute": 39}
